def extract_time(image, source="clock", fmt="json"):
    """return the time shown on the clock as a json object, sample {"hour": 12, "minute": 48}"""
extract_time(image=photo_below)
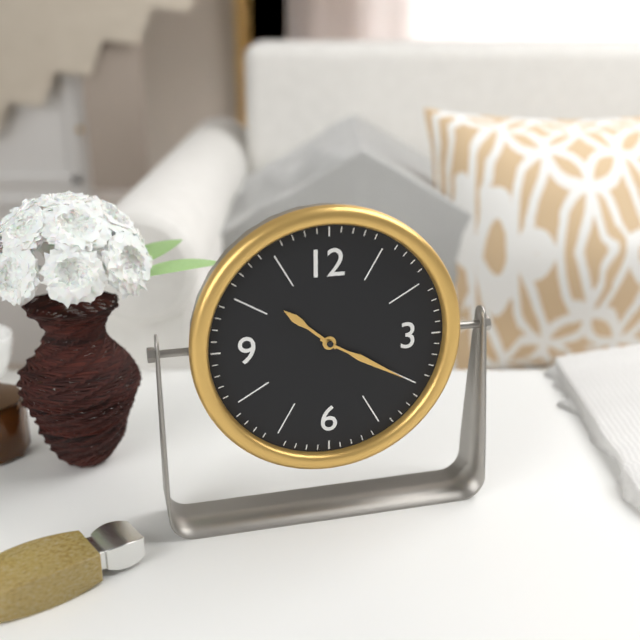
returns {"hour": 10, "minute": 20}
